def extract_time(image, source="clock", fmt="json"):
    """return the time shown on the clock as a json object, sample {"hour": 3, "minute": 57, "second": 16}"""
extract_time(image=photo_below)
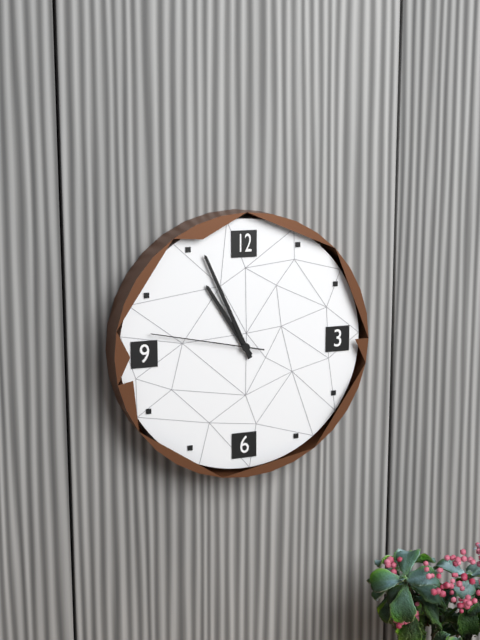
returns {"hour": 10, "minute": 56, "second": 47}
